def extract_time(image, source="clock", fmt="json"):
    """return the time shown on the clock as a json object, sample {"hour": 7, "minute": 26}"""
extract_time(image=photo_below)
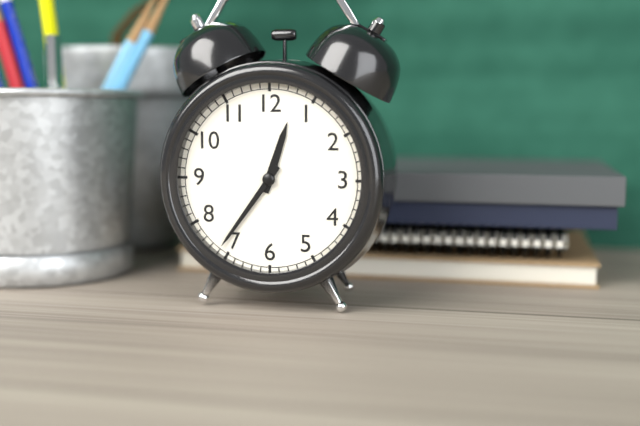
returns {"hour": 12, "minute": 36}
